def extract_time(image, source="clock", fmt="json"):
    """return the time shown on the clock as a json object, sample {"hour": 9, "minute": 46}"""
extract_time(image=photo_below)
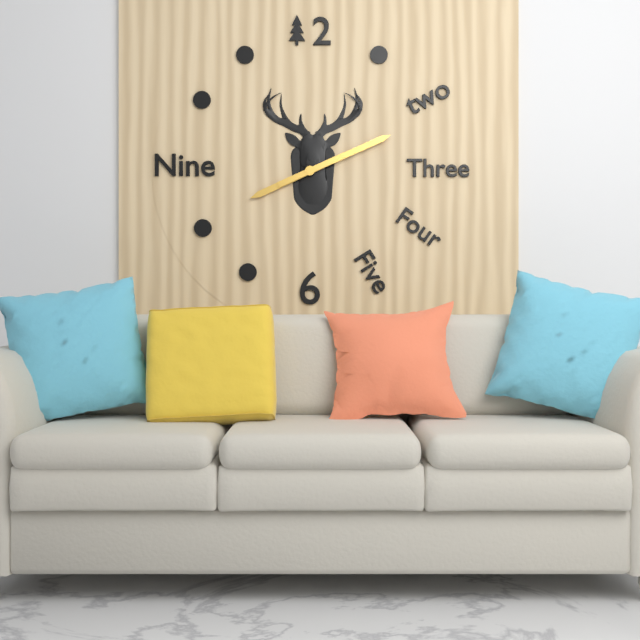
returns {"hour": 8, "minute": 11}
